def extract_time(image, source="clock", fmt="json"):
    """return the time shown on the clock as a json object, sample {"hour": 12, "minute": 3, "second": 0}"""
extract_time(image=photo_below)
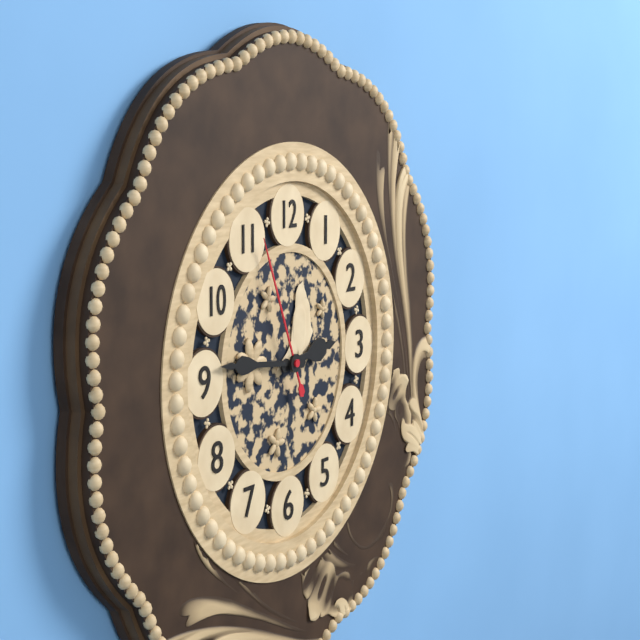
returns {"hour": 2, "minute": 46, "second": 56}
